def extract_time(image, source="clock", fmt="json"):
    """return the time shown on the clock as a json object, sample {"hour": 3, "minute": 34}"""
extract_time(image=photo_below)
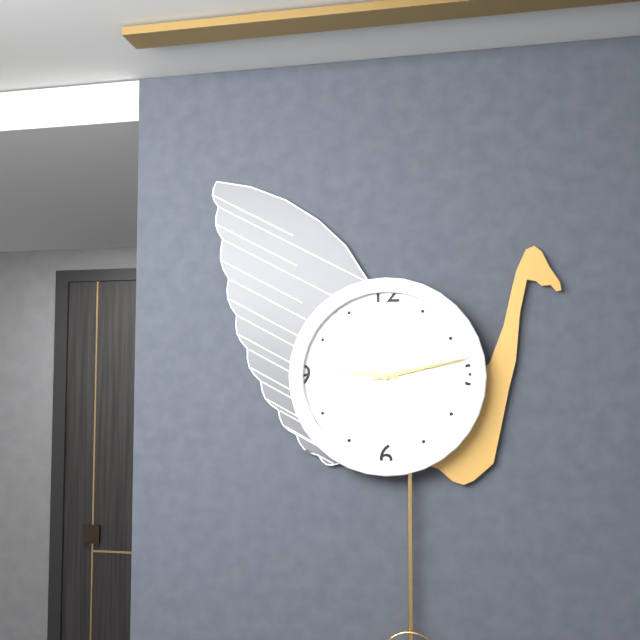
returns {"hour": 9, "minute": 13}
